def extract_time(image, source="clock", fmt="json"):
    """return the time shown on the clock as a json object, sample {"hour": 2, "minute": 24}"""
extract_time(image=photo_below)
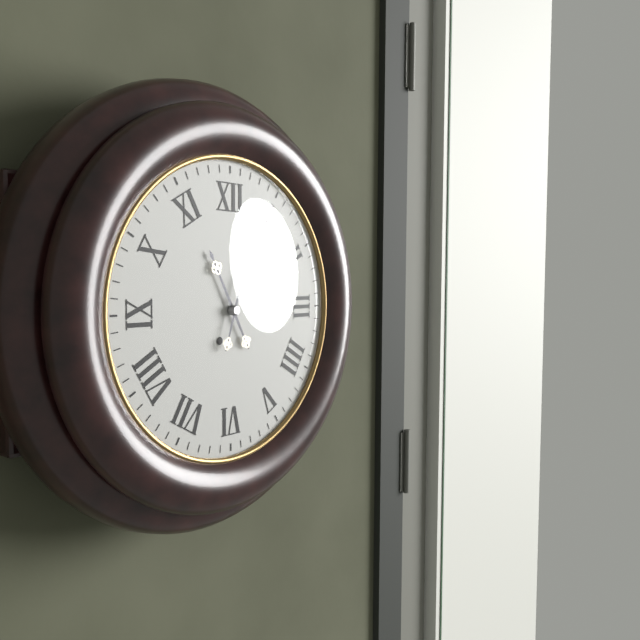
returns {"hour": 11, "minute": 3}
